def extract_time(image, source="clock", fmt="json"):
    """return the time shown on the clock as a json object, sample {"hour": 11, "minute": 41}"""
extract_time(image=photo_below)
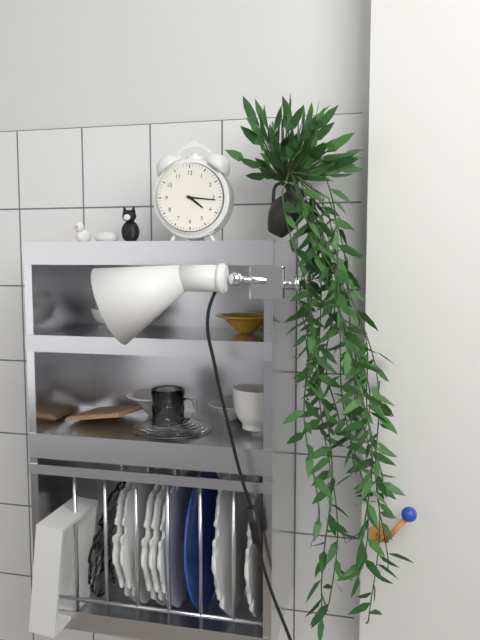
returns {"hour": 4, "minute": 16}
